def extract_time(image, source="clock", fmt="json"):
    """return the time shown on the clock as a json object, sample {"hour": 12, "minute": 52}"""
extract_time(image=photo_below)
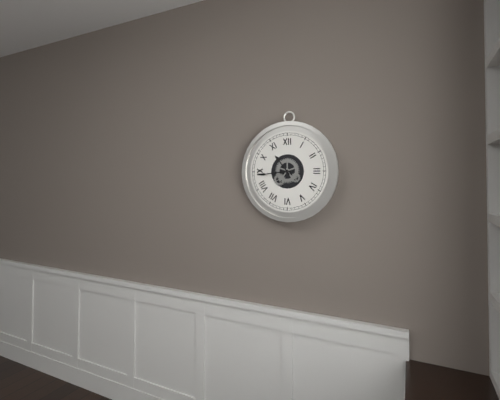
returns {"hour": 10, "minute": 44}
